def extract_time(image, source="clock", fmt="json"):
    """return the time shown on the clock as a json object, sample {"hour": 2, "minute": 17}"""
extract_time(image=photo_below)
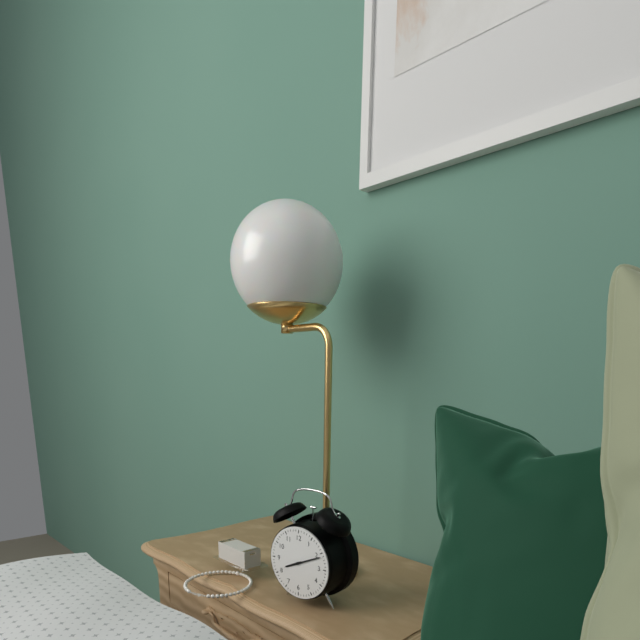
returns {"hour": 8, "minute": 11}
